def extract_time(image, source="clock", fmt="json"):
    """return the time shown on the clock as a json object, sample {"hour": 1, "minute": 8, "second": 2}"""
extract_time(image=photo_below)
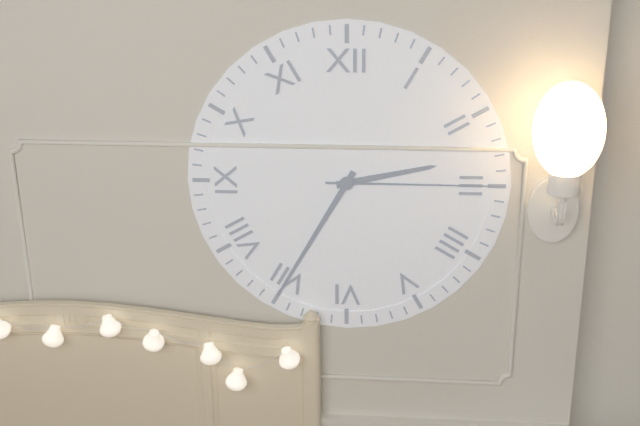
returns {"hour": 2, "minute": 35, "second": 15}
